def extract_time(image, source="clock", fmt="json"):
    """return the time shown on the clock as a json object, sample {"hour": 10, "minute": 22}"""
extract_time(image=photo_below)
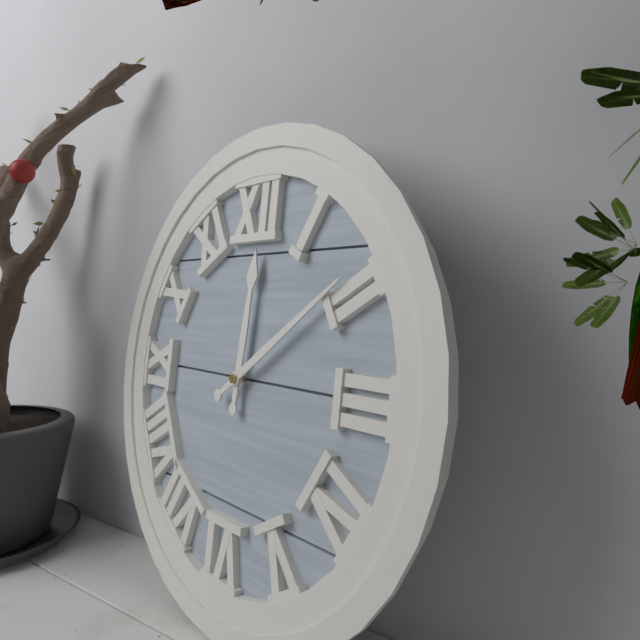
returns {"hour": 12, "minute": 9}
